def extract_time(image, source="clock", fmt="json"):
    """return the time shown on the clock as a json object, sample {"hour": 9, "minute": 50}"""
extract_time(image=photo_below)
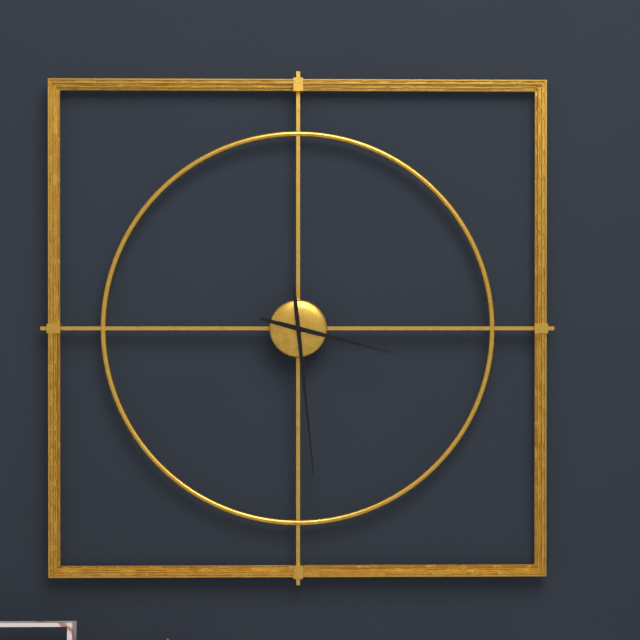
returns {"hour": 3, "minute": 29}
